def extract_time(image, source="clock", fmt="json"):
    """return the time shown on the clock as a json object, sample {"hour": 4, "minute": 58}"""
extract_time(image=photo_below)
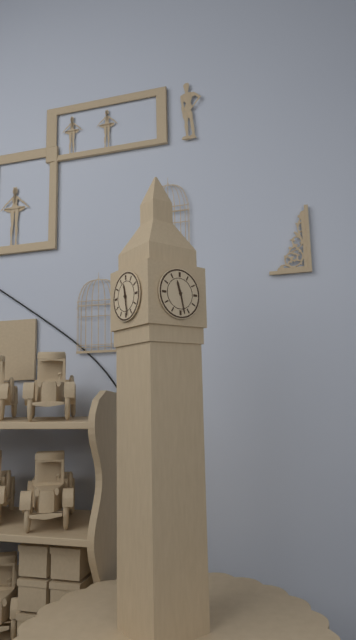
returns {"hour": 11, "minute": 28}
